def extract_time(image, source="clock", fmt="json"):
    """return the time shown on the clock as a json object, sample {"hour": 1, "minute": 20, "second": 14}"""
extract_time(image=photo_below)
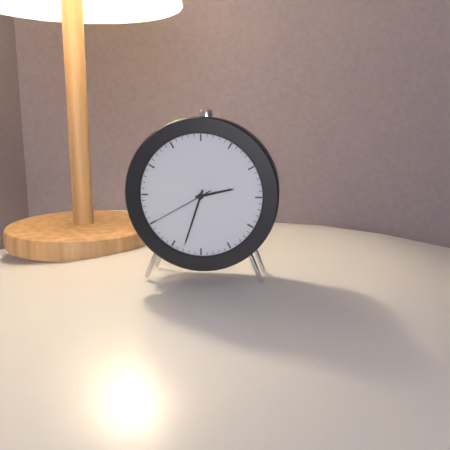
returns {"hour": 2, "minute": 33, "second": 40}
